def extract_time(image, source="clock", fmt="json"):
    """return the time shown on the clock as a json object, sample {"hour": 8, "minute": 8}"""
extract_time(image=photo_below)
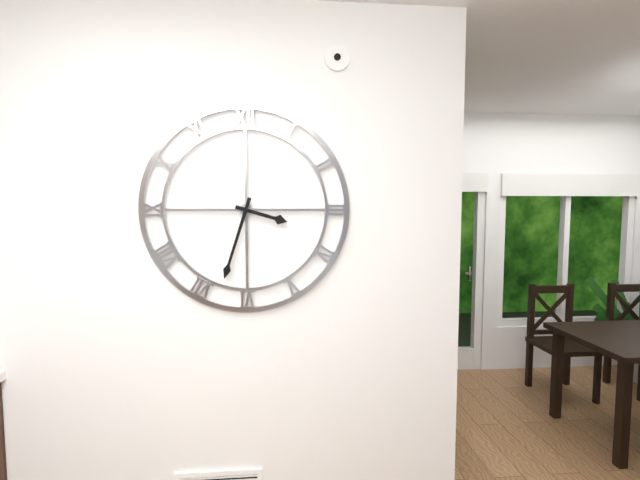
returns {"hour": 3, "minute": 33}
